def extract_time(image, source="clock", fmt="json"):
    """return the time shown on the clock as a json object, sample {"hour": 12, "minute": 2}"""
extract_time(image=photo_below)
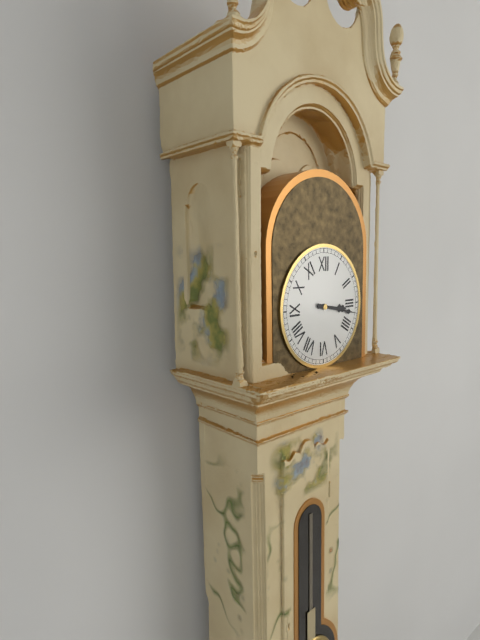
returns {"hour": 3, "minute": 17}
